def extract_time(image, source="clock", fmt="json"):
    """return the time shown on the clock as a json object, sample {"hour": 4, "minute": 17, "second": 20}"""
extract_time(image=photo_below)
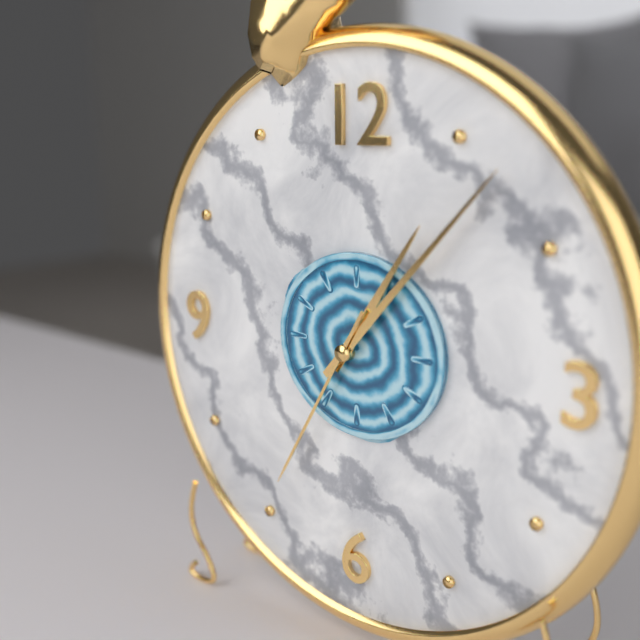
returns {"hour": 1, "minute": 7, "second": 35}
